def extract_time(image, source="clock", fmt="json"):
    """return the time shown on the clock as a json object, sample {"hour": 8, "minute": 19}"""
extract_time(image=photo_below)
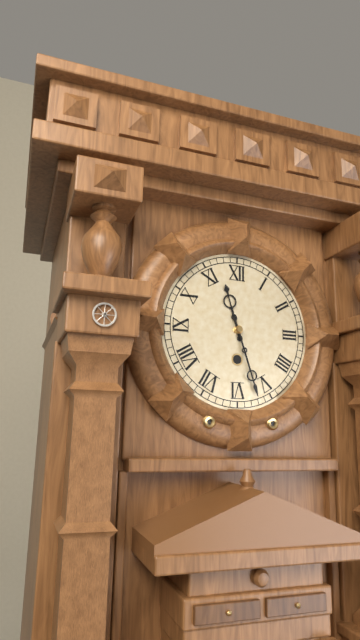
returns {"hour": 11, "minute": 27}
